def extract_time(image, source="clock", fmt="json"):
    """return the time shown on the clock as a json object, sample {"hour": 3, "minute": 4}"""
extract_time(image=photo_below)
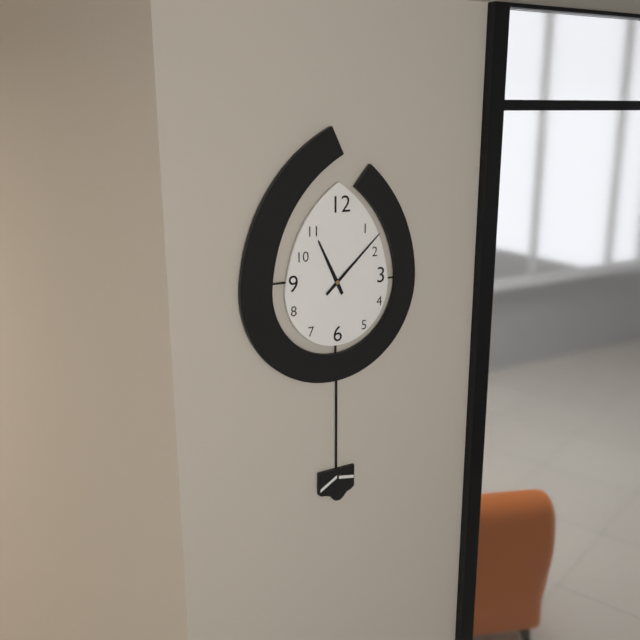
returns {"hour": 11, "minute": 8}
